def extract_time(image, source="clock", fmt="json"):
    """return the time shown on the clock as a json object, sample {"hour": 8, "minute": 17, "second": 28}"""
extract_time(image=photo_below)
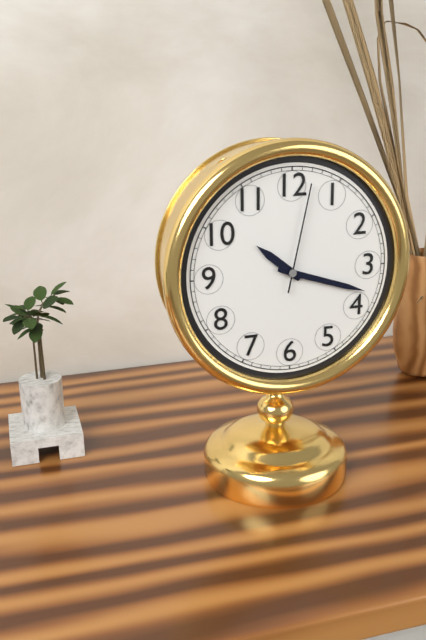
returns {"hour": 10, "minute": 18, "second": 2}
